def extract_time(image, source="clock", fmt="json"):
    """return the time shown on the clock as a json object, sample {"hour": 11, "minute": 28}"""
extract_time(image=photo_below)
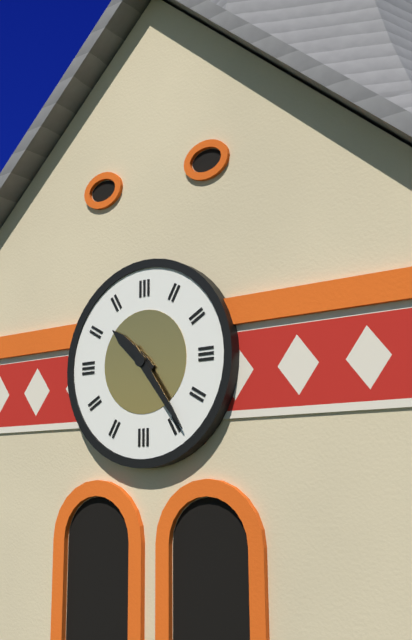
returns {"hour": 10, "minute": 24}
